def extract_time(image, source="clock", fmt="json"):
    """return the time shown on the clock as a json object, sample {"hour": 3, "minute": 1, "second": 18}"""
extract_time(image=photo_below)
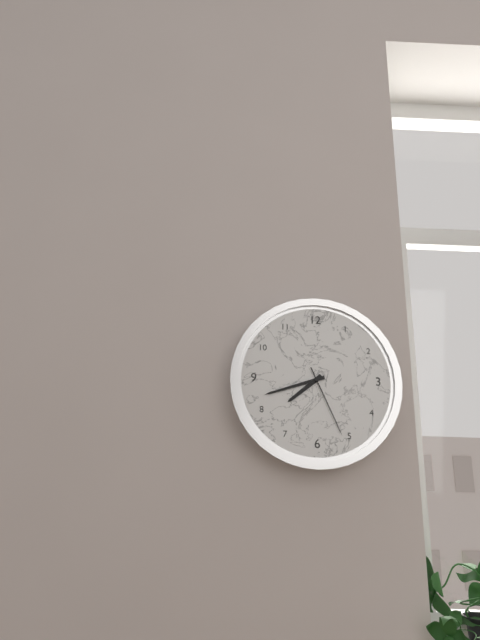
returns {"hour": 7, "minute": 42, "second": 26}
